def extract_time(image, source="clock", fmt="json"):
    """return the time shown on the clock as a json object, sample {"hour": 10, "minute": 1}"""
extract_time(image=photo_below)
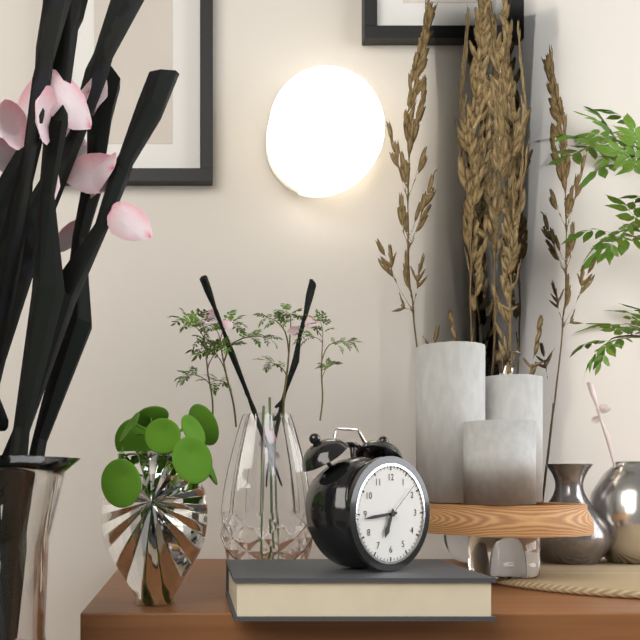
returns {"hour": 6, "minute": 44}
